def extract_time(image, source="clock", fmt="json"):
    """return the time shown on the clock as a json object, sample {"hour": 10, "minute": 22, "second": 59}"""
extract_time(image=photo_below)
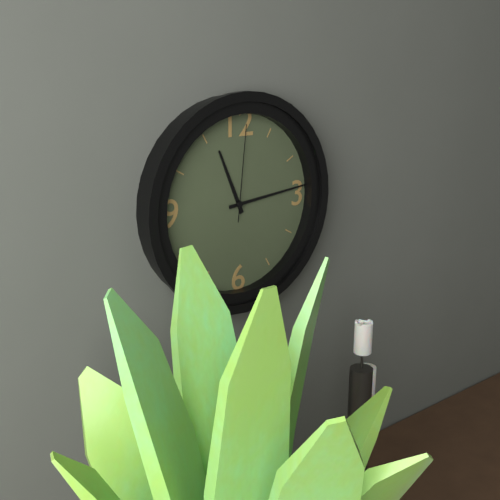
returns {"hour": 11, "minute": 14, "second": 1}
